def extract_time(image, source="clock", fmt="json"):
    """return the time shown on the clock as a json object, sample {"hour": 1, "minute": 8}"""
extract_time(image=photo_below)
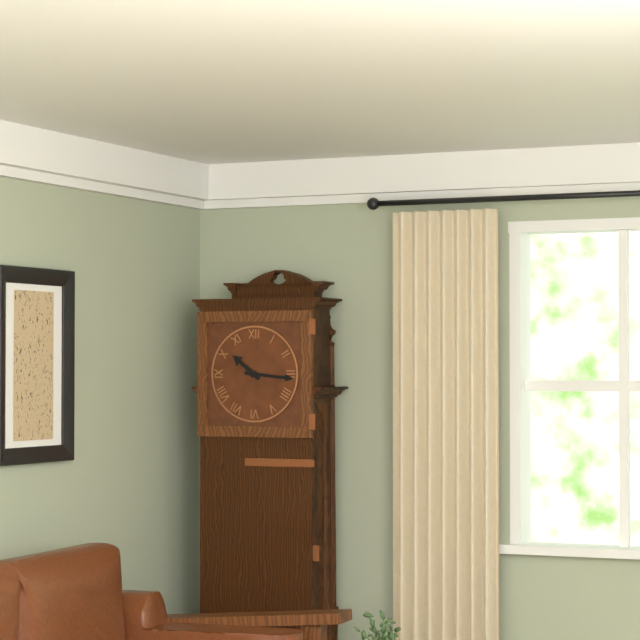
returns {"hour": 10, "minute": 16}
